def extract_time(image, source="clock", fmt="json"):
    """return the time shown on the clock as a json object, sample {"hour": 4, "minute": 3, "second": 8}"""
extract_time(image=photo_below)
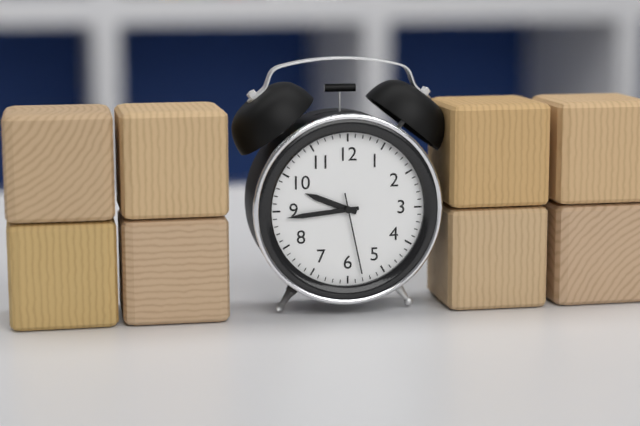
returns {"hour": 9, "minute": 44, "second": 28}
